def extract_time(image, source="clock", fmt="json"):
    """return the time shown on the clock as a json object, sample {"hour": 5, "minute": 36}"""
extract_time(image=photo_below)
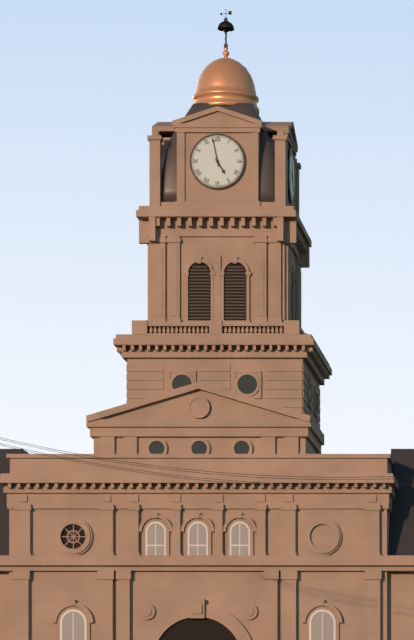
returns {"hour": 4, "minute": 58}
